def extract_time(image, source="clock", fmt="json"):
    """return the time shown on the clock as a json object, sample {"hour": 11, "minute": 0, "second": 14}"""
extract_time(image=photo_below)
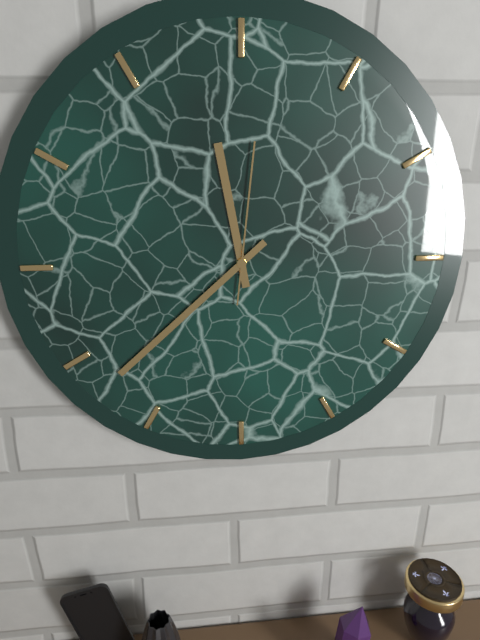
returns {"hour": 11, "minute": 38, "second": 1}
